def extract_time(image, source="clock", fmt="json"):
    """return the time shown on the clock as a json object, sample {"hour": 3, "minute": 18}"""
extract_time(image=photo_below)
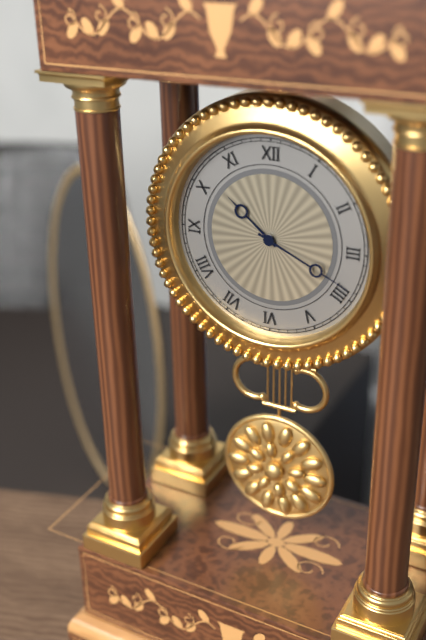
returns {"hour": 10, "minute": 19}
